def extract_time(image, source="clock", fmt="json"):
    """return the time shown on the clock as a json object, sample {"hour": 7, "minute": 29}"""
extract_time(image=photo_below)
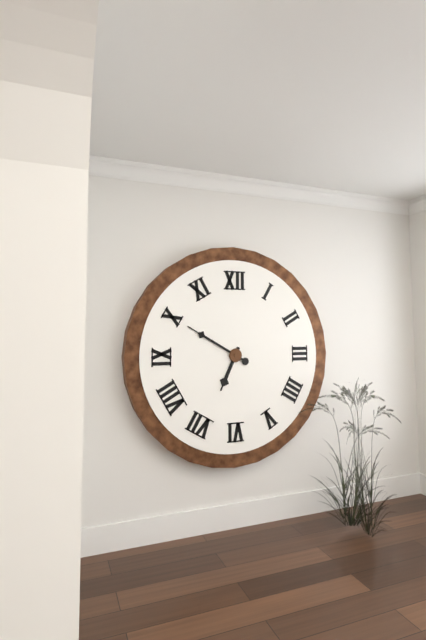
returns {"hour": 6, "minute": 50}
